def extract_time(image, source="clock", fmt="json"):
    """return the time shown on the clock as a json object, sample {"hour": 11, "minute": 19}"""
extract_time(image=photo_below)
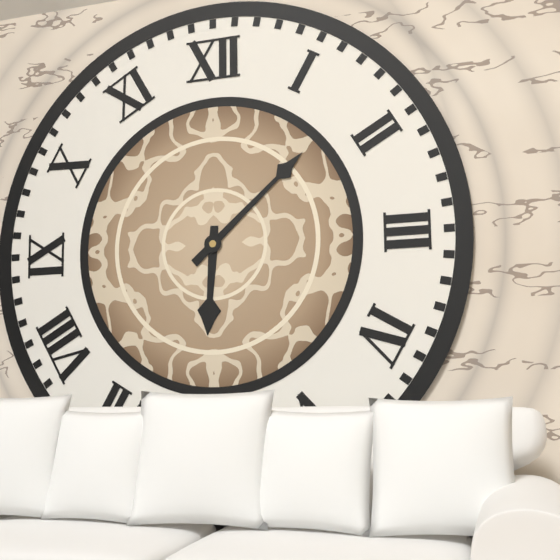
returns {"hour": 6, "minute": 8}
